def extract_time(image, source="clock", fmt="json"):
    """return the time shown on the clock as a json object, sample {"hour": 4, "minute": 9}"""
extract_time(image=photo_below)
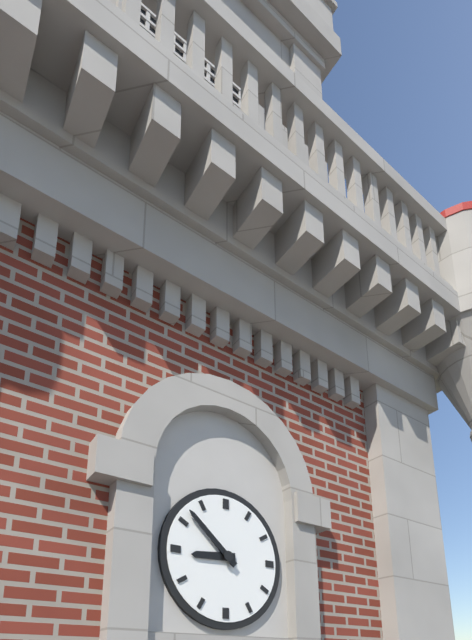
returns {"hour": 8, "minute": 52}
